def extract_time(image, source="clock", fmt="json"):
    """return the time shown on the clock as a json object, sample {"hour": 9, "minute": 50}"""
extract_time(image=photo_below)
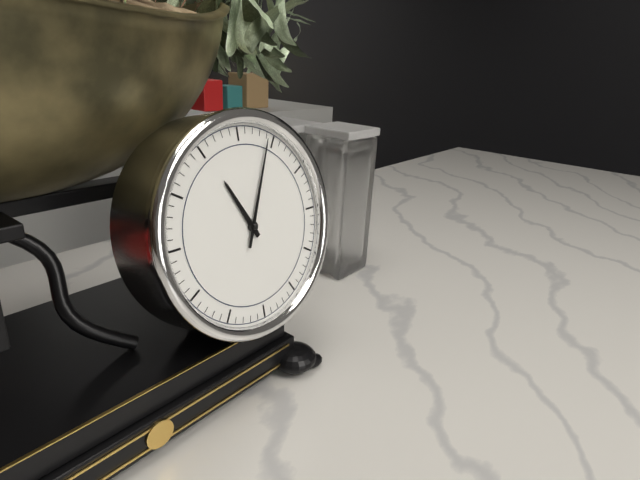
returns {"hour": 11, "minute": 4}
